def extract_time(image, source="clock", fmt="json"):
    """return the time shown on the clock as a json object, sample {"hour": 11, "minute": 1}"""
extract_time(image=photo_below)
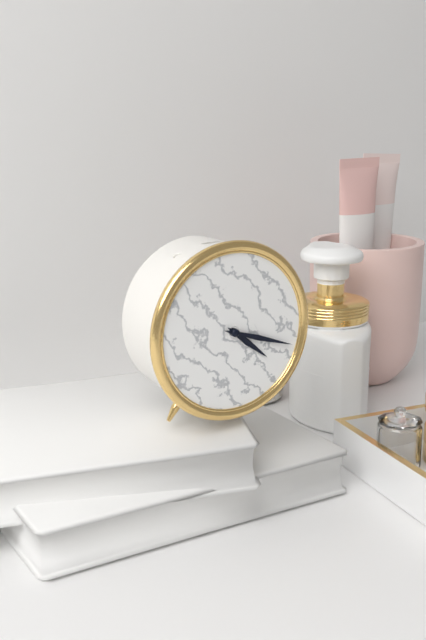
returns {"hour": 4, "minute": 18}
